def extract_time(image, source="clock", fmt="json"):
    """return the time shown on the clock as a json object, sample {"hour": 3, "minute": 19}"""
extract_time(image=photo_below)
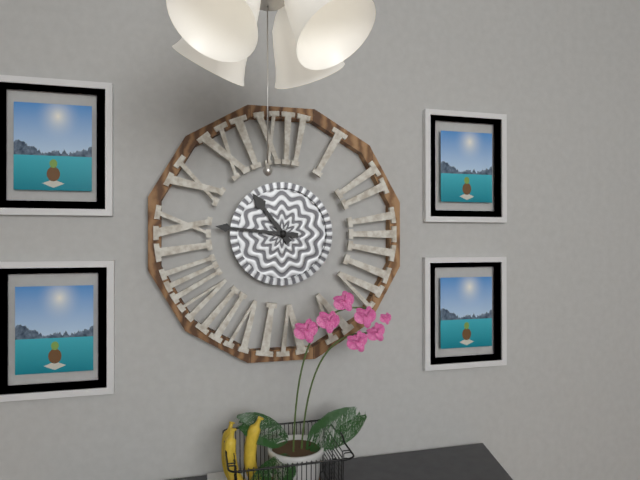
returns {"hour": 10, "minute": 46}
